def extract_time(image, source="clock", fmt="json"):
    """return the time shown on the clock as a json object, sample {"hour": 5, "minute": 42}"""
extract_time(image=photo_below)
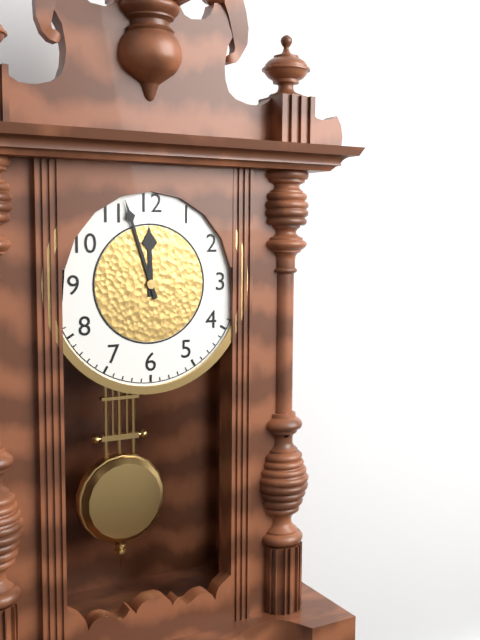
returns {"hour": 11, "minute": 57}
